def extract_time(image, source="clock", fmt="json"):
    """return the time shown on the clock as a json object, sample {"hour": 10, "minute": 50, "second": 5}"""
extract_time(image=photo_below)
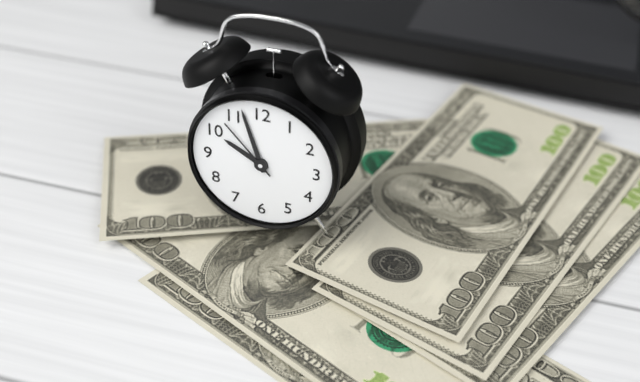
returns {"hour": 9, "minute": 57, "second": 53}
